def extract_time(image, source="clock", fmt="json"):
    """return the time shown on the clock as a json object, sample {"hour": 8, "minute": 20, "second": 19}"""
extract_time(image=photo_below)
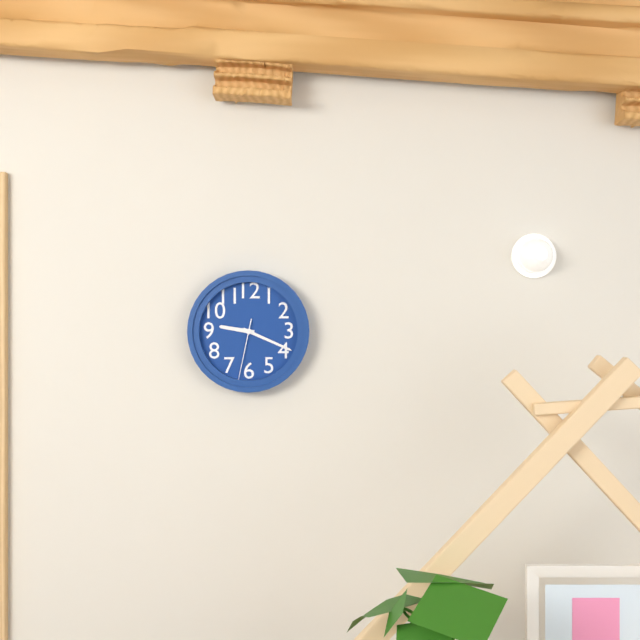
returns {"hour": 9, "minute": 19, "second": 32}
